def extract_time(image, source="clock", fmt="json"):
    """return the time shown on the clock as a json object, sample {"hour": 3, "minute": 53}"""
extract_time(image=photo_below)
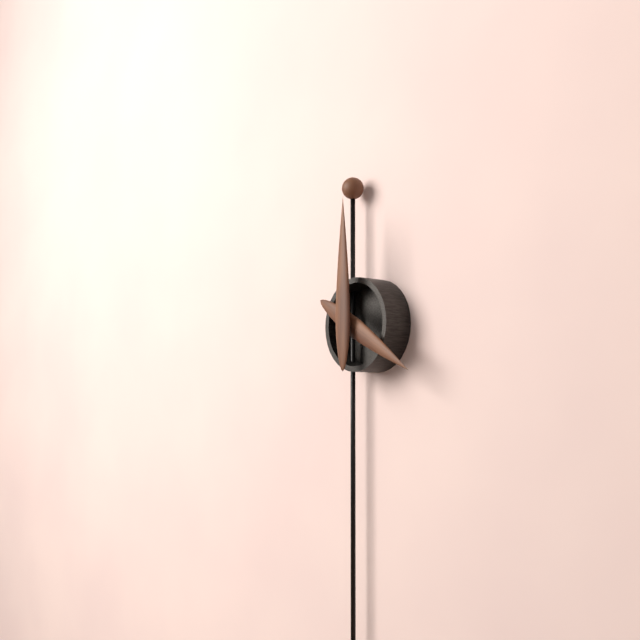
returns {"hour": 4, "minute": 0}
